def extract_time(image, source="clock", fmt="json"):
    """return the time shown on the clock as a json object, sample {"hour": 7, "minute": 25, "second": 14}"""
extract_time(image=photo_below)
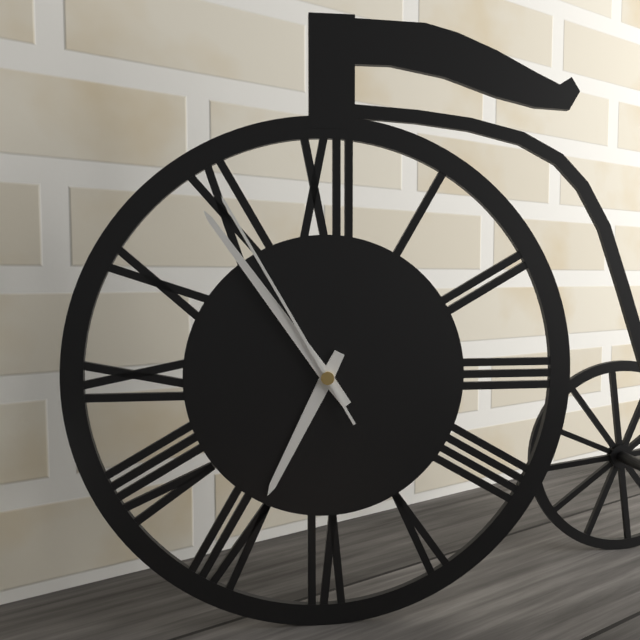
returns {"hour": 6, "minute": 54, "second": 55}
